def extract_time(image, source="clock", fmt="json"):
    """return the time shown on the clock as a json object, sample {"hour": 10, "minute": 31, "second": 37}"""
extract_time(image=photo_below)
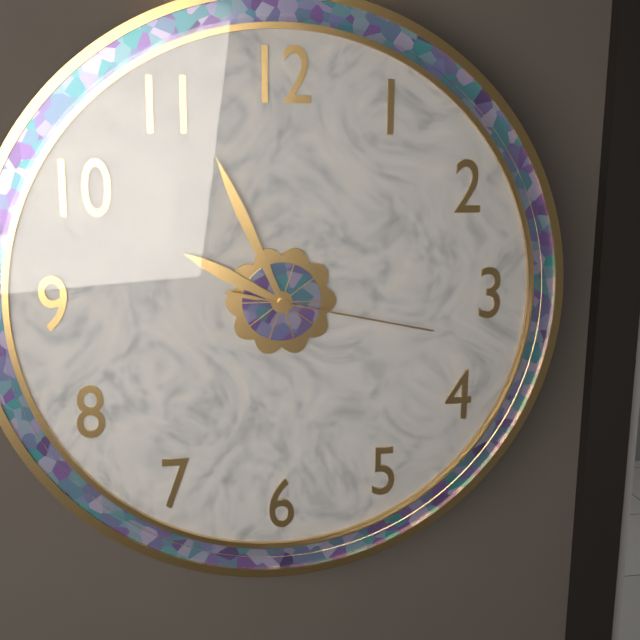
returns {"hour": 9, "minute": 56, "second": 17}
